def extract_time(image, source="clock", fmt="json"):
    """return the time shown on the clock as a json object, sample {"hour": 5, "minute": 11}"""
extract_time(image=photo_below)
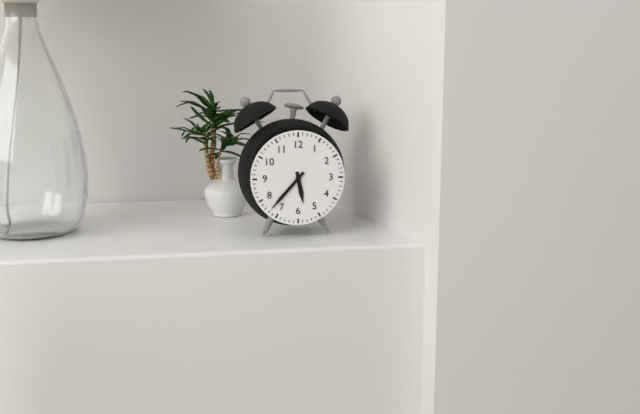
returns {"hour": 5, "minute": 37}
